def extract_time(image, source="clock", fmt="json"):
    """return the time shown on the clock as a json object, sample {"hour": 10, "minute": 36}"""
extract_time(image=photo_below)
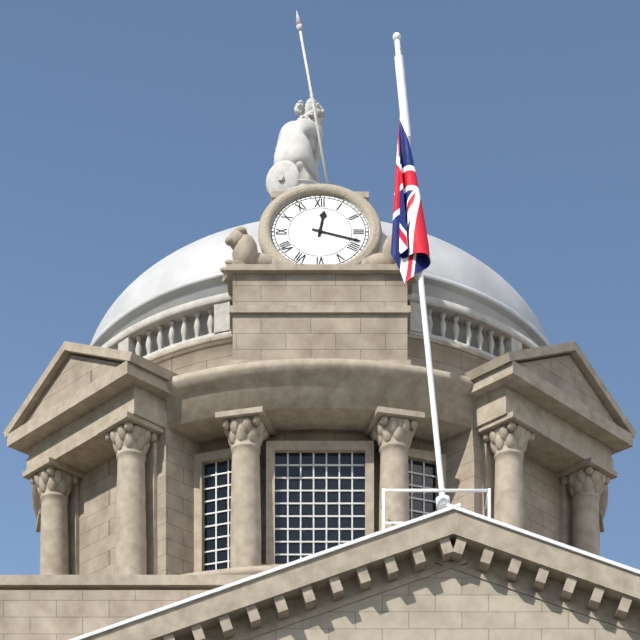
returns {"hour": 12, "minute": 18}
